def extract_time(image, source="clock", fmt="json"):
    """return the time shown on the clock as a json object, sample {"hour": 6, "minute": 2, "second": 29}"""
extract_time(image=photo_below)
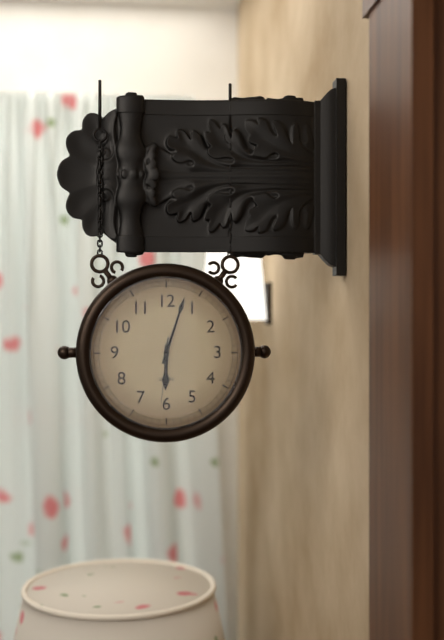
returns {"hour": 6, "minute": 3, "second": 31}
